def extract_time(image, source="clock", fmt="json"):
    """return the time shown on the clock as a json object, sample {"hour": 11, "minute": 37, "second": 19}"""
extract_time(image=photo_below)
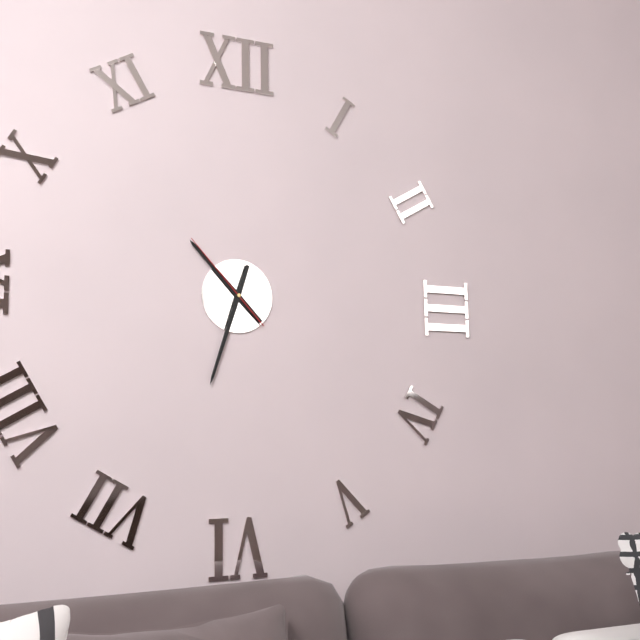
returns {"hour": 10, "minute": 33, "second": 53}
